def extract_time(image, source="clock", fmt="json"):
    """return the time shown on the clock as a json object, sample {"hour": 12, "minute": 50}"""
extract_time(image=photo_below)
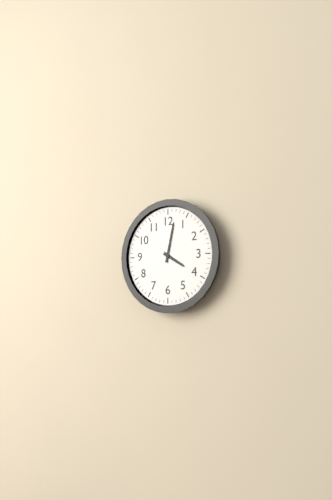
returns {"hour": 4, "minute": 2}
